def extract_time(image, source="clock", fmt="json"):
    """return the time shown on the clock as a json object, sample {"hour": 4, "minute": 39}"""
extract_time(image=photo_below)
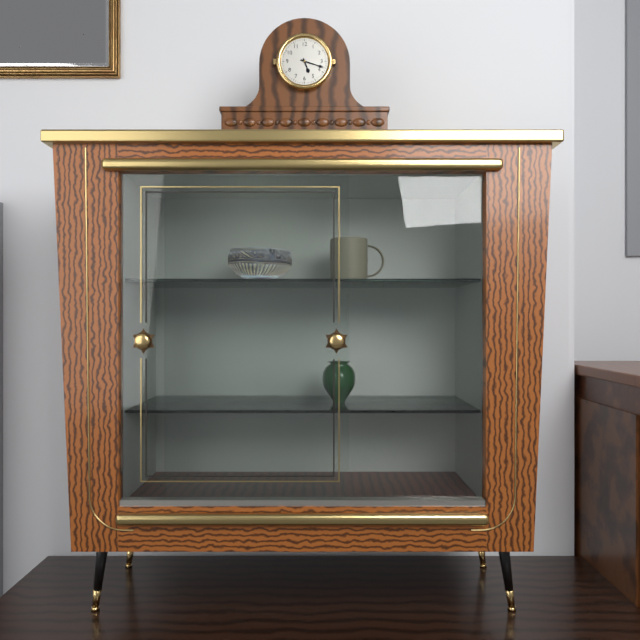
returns {"hour": 5, "minute": 18}
